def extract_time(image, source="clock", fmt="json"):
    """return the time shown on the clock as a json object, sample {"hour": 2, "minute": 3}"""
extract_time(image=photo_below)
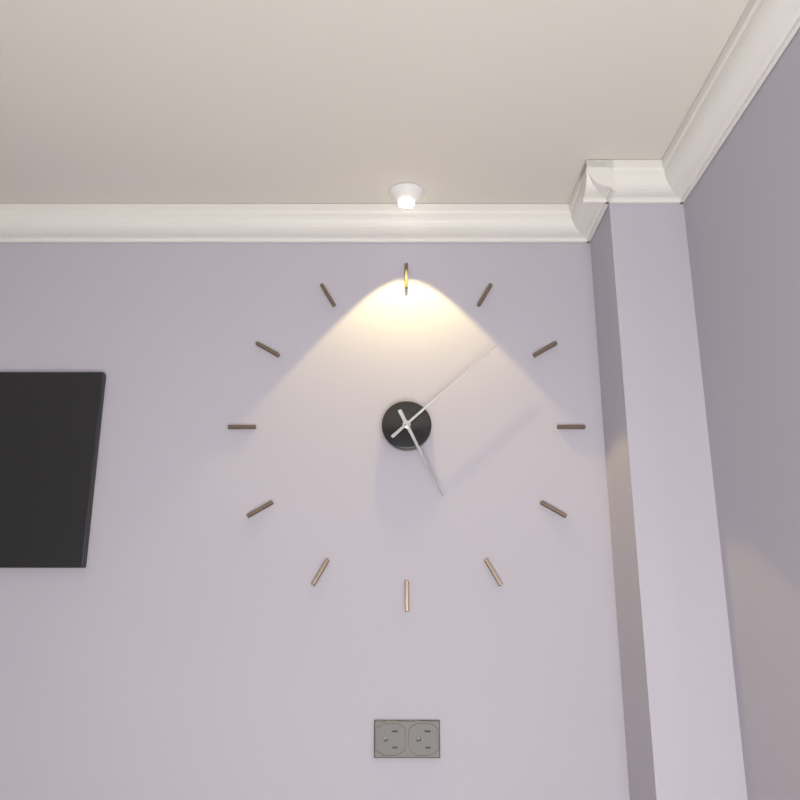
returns {"hour": 5, "minute": 8}
